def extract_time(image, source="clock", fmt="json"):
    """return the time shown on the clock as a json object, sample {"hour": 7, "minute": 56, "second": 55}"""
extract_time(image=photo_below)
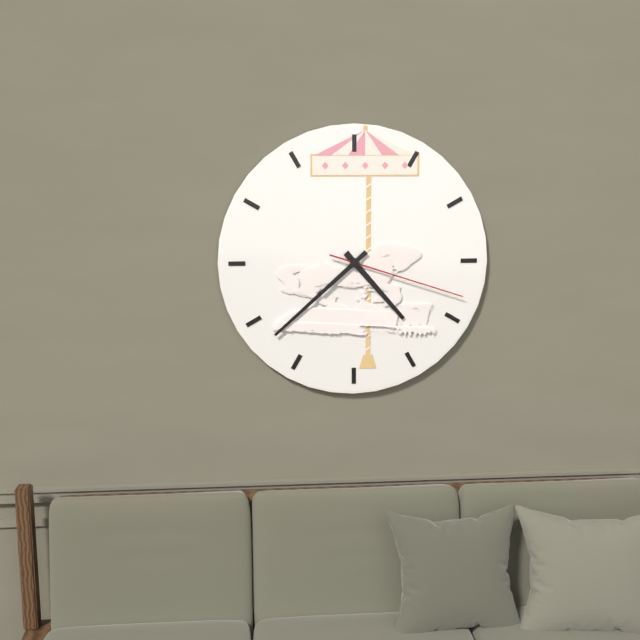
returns {"hour": 4, "minute": 38, "second": 18}
